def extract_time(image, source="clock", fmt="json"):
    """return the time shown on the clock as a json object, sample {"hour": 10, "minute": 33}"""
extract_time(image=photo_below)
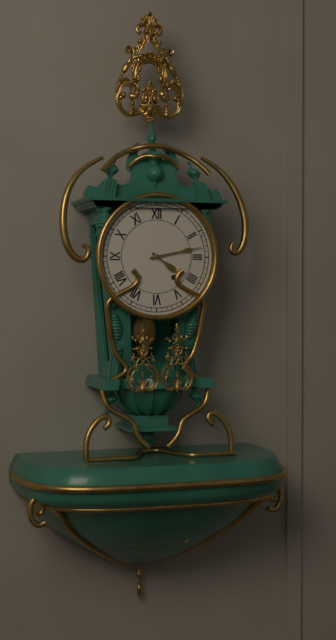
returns {"hour": 4, "minute": 13}
